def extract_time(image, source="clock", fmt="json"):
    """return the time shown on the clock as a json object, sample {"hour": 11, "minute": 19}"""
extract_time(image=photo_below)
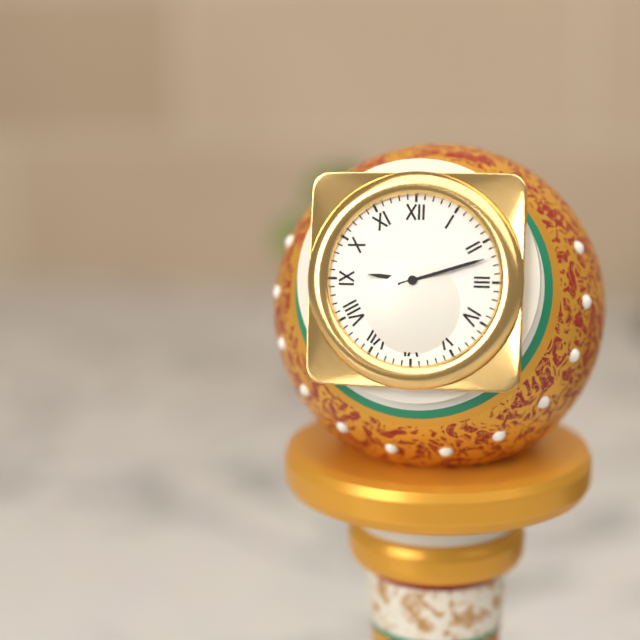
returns {"hour": 9, "minute": 12}
